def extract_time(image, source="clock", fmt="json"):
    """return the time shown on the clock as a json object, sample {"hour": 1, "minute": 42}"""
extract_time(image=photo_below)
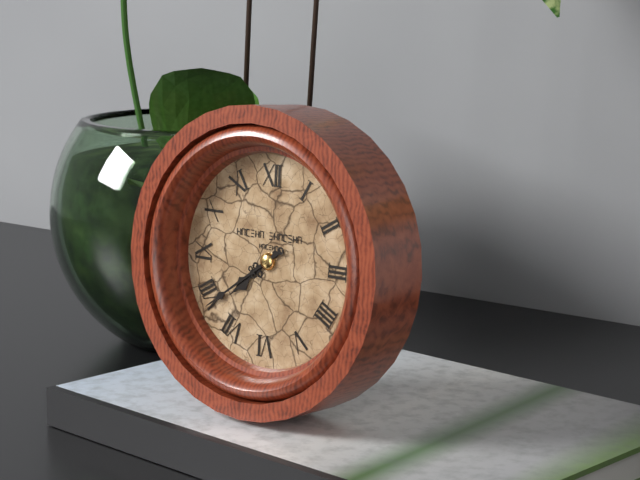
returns {"hour": 7, "minute": 39}
